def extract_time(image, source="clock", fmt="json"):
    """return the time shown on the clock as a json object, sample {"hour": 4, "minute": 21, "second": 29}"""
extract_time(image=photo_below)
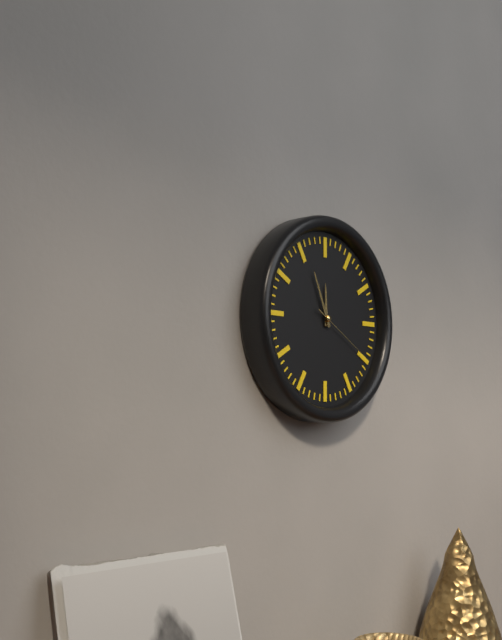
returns {"hour": 11, "minute": 56, "second": 20}
